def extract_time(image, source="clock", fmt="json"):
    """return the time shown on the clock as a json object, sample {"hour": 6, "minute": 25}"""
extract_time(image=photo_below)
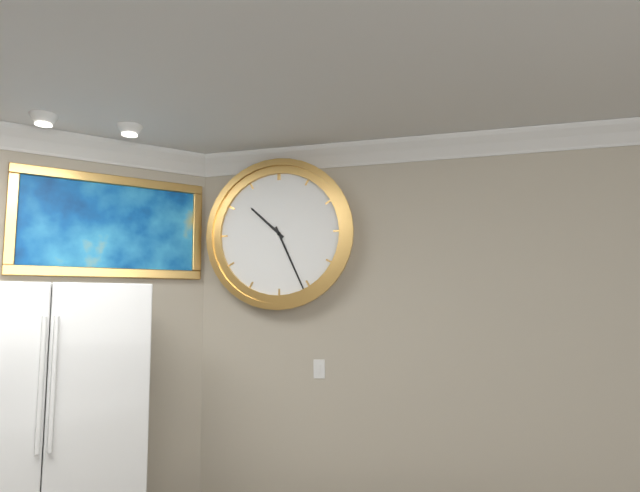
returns {"hour": 10, "minute": 26}
